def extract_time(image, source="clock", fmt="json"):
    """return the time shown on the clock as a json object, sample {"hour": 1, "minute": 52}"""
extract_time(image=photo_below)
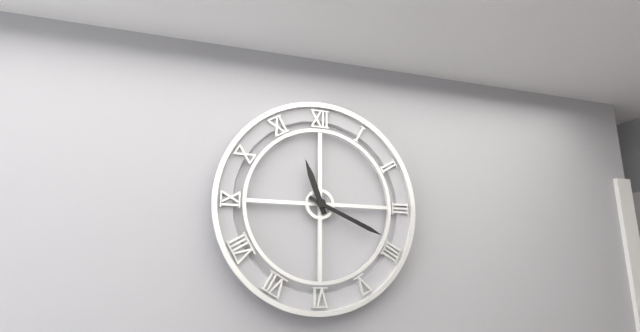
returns {"hour": 11, "minute": 19}
